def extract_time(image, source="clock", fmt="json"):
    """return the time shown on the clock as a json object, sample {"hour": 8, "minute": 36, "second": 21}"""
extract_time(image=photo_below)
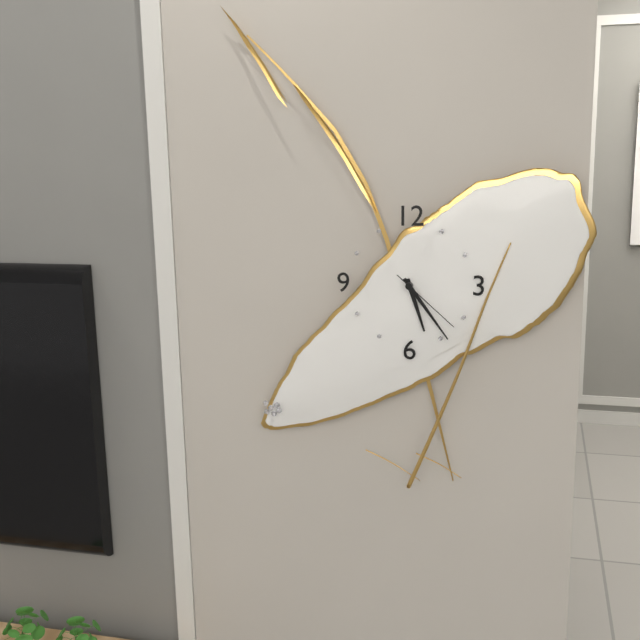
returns {"hour": 5, "minute": 24, "second": 22}
